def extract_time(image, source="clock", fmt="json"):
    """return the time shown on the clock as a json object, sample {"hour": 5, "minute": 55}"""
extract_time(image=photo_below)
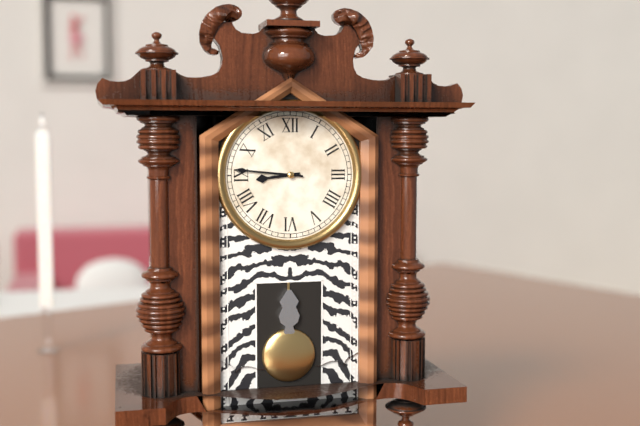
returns {"hour": 8, "minute": 46}
